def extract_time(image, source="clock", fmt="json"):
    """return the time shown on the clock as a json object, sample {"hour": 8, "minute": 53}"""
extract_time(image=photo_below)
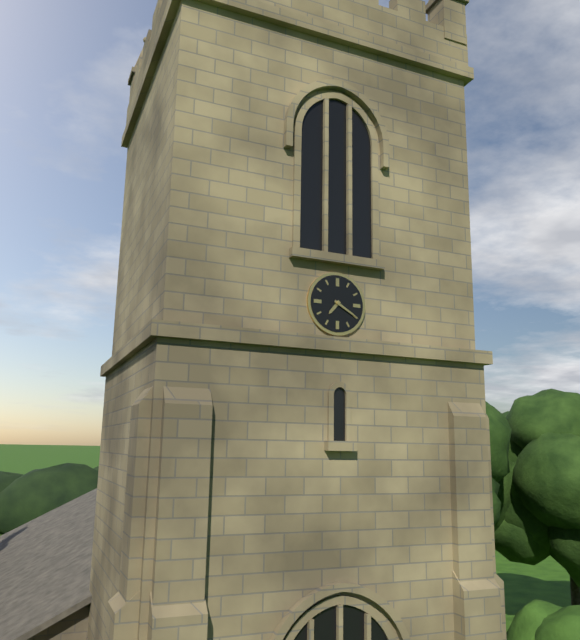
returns {"hour": 7, "minute": 20}
